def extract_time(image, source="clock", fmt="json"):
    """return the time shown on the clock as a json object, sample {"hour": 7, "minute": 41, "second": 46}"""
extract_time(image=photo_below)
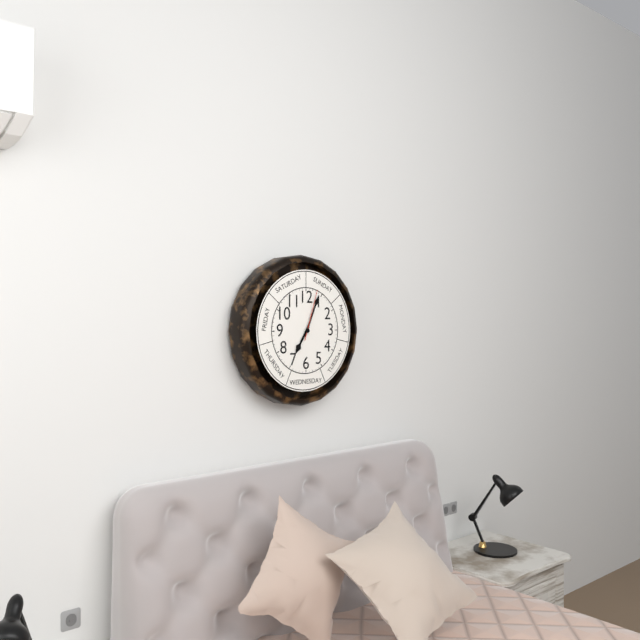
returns {"hour": 7, "minute": 4, "second": 3}
